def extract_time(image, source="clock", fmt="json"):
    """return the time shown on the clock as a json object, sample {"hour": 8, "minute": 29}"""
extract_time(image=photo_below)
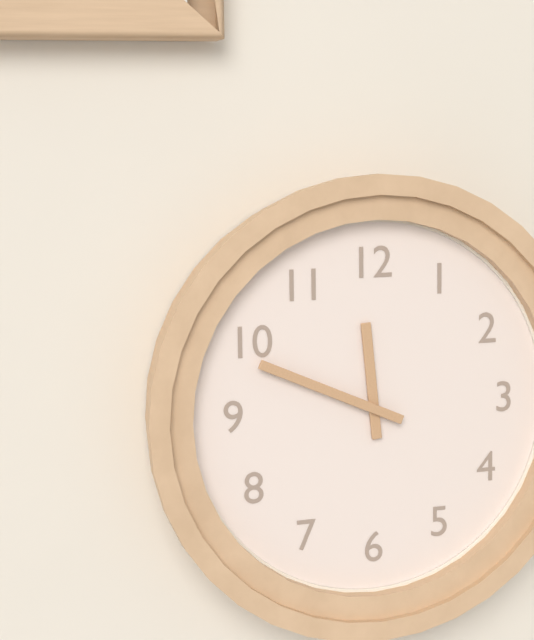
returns {"hour": 11, "minute": 49}
